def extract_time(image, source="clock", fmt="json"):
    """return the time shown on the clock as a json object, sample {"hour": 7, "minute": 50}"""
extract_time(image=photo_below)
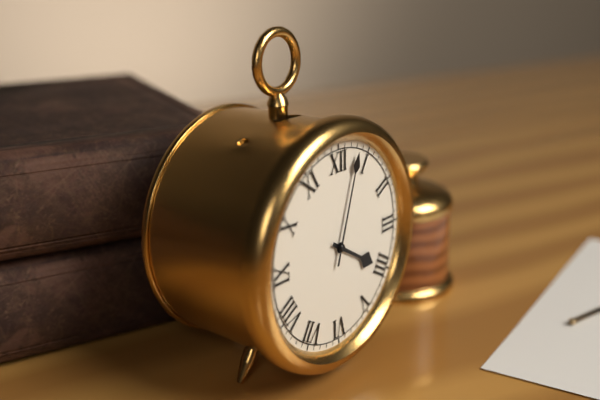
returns {"hour": 4, "minute": 3}
